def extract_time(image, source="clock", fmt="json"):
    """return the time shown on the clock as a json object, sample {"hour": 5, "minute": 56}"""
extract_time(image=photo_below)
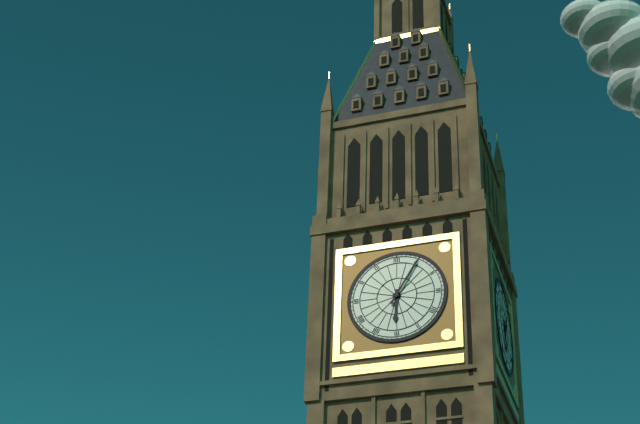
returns {"hour": 6, "minute": 5}
